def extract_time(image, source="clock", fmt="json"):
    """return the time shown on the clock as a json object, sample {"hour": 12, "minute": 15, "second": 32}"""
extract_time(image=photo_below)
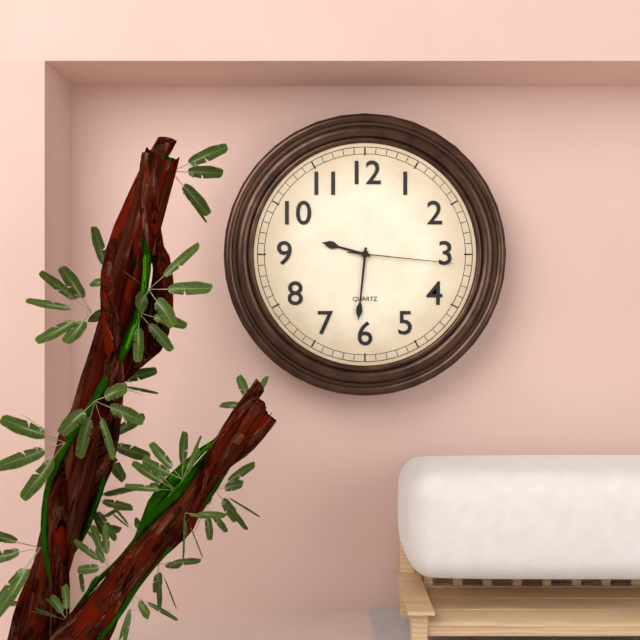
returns {"hour": 9, "minute": 31, "second": 16}
